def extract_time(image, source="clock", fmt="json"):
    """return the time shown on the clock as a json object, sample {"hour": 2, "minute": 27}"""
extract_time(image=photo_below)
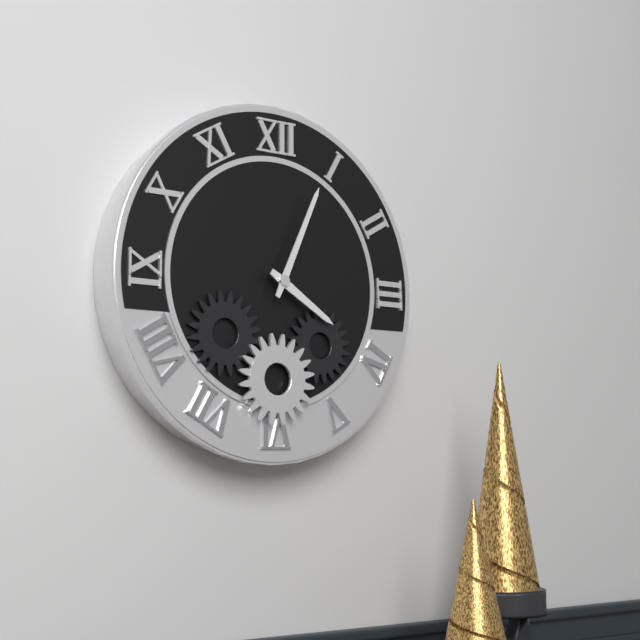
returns {"hour": 4, "minute": 4}
